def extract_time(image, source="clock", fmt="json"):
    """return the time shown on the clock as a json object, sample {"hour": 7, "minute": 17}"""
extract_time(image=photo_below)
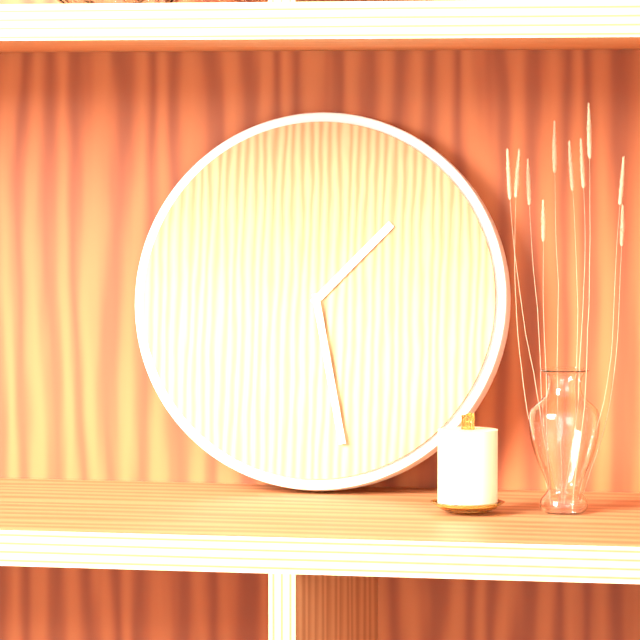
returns {"hour": 1, "minute": 28}
